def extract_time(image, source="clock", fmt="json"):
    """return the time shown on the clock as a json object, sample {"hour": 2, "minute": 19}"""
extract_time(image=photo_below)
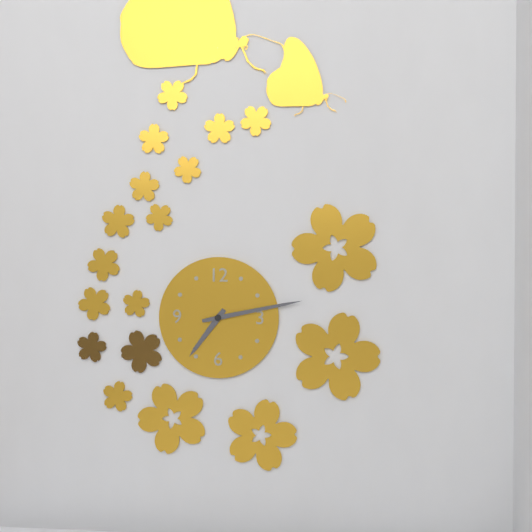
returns {"hour": 7, "minute": 13}
